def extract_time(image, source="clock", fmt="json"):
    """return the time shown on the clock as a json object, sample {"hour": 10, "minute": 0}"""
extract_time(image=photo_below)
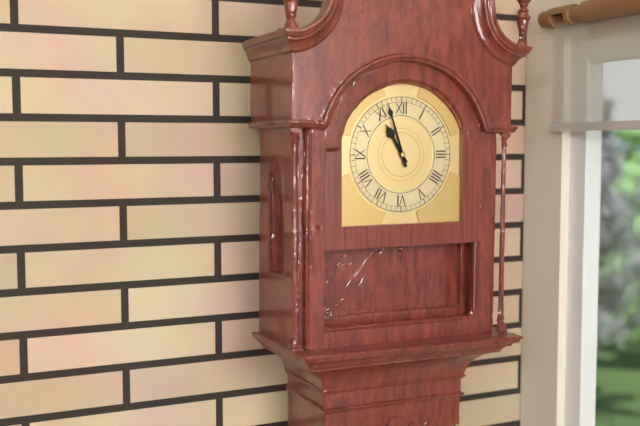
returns {"hour": 10, "minute": 57}
